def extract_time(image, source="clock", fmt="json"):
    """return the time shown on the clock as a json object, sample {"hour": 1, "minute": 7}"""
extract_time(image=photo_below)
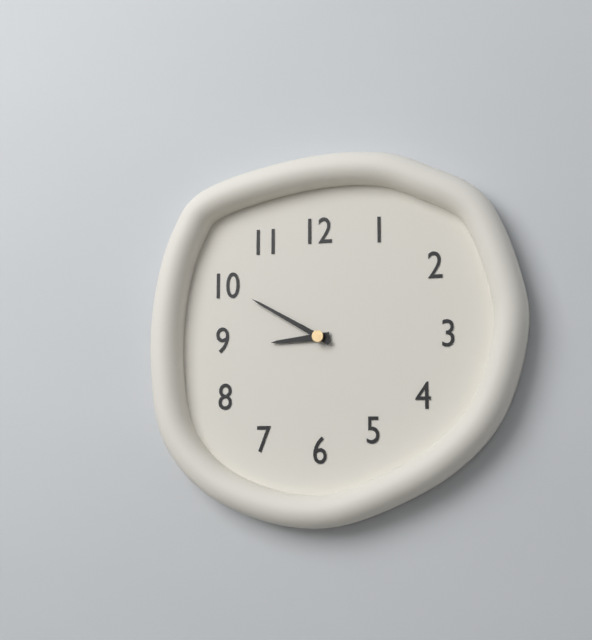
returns {"hour": 8, "minute": 50}
